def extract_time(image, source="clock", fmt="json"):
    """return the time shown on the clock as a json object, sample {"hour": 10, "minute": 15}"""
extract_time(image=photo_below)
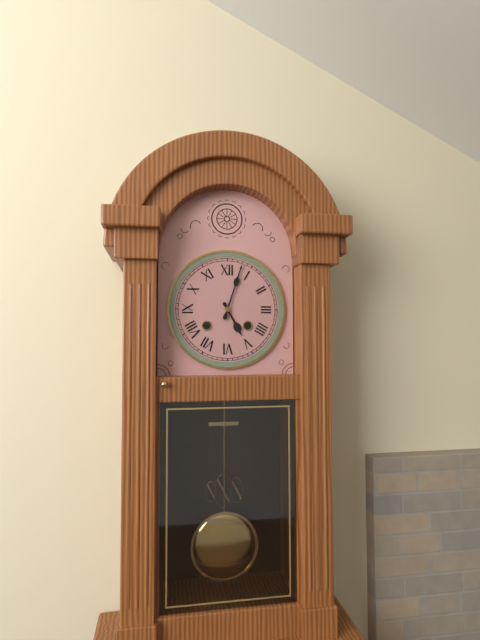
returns {"hour": 5, "minute": 3}
